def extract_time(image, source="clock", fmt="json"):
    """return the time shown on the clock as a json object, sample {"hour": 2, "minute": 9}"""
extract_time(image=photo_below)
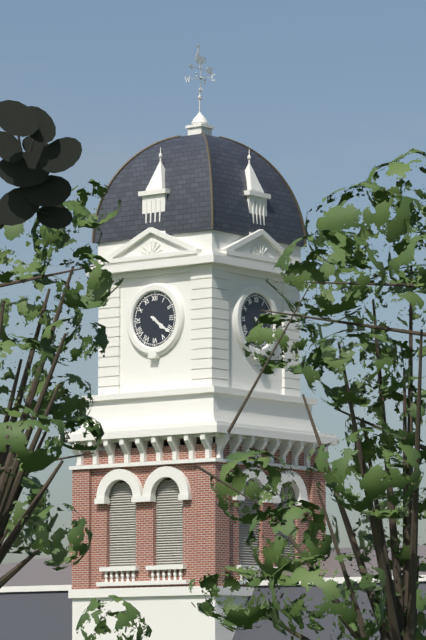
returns {"hour": 4, "minute": 21}
